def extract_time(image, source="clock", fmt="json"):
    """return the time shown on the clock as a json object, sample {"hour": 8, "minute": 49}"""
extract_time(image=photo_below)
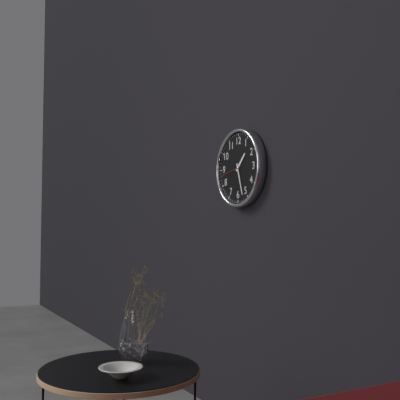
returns {"hour": 1, "minute": 27}
